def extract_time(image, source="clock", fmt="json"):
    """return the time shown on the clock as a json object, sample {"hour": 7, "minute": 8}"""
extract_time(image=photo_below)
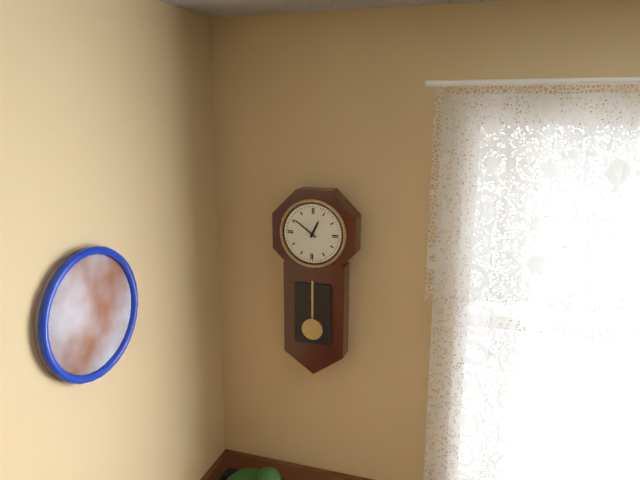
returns {"hour": 12, "minute": 51}
